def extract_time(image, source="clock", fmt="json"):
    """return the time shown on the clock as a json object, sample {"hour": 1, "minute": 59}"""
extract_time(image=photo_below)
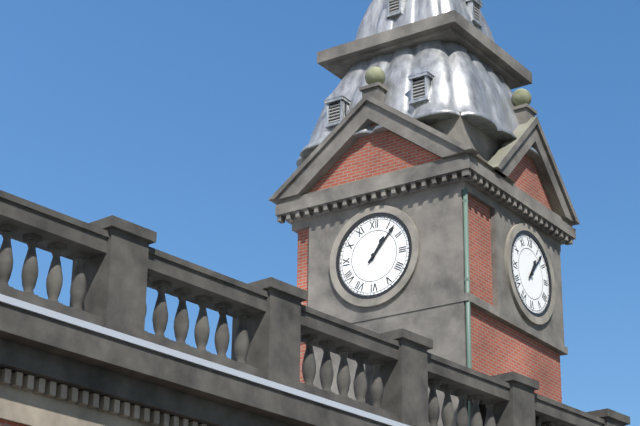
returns {"hour": 1, "minute": 7}
